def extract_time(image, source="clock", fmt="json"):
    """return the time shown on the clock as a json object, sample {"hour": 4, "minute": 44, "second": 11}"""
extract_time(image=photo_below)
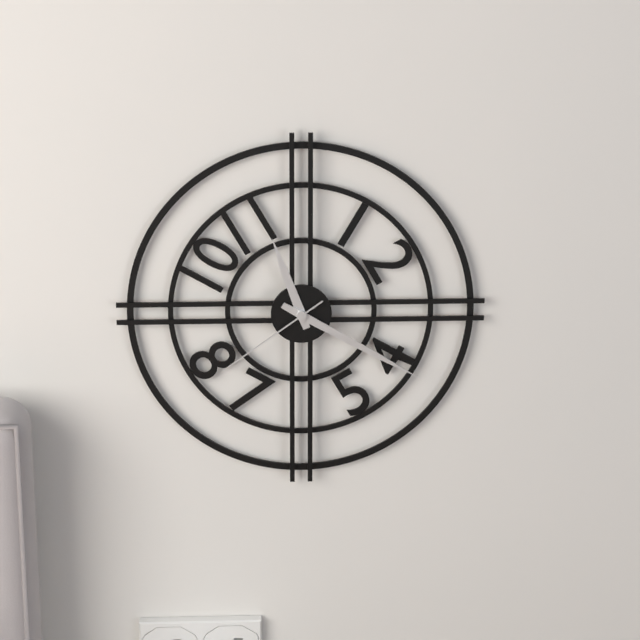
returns {"hour": 11, "minute": 20, "second": 39}
